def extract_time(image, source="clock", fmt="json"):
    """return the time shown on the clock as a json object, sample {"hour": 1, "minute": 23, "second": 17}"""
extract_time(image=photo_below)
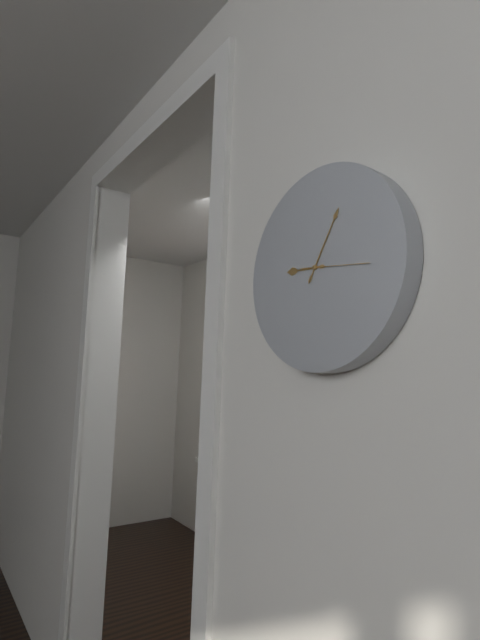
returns {"hour": 9, "minute": 5, "second": 16}
